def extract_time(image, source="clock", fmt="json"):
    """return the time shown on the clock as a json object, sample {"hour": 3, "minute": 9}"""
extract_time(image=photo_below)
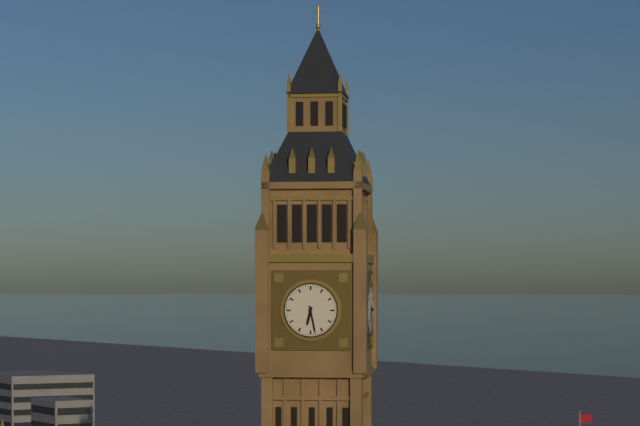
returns {"hour": 6, "minute": 28}
